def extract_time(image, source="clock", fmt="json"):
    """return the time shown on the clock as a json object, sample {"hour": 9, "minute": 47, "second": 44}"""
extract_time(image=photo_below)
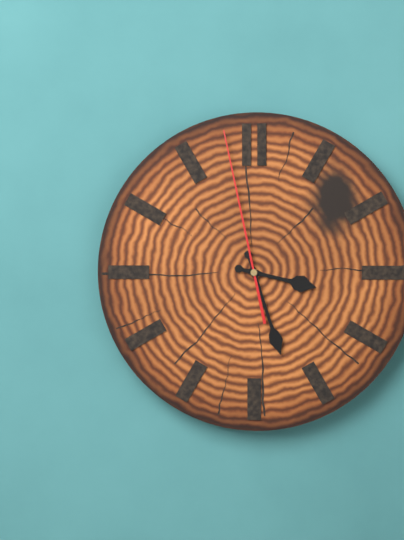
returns {"hour": 3, "minute": 27, "second": 58}
